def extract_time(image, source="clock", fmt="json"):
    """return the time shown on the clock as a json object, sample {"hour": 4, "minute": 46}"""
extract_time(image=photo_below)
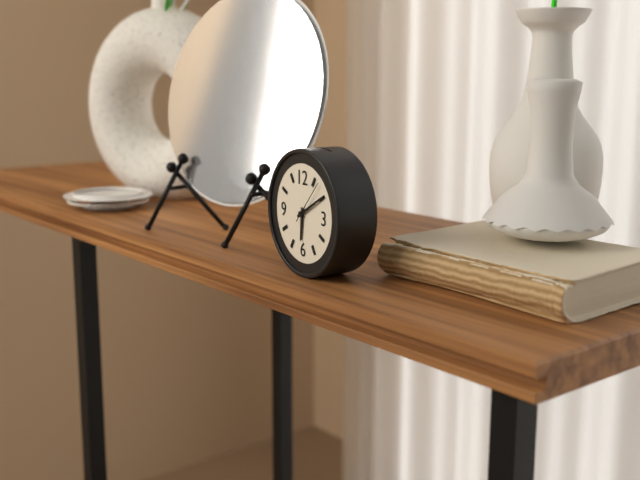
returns {"hour": 6, "minute": 10}
